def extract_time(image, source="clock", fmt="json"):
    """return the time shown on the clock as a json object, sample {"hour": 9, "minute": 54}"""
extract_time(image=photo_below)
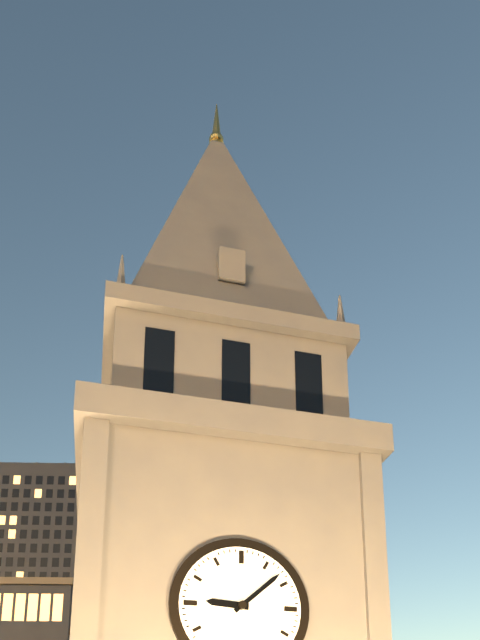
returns {"hour": 9, "minute": 8}
